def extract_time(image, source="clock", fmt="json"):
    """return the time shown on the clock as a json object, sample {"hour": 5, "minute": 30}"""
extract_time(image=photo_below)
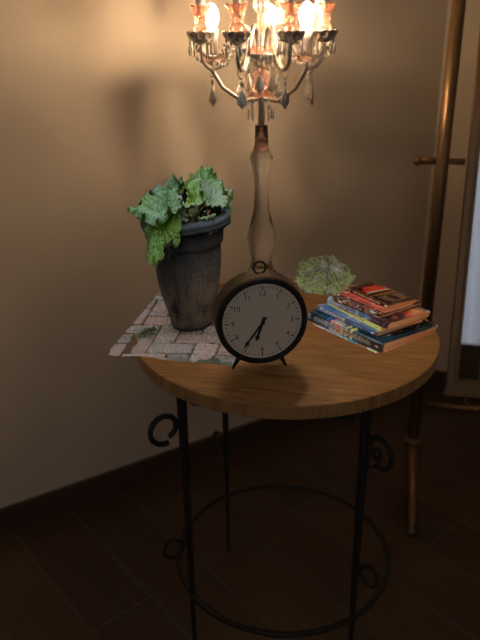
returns {"hour": 6, "minute": 36}
